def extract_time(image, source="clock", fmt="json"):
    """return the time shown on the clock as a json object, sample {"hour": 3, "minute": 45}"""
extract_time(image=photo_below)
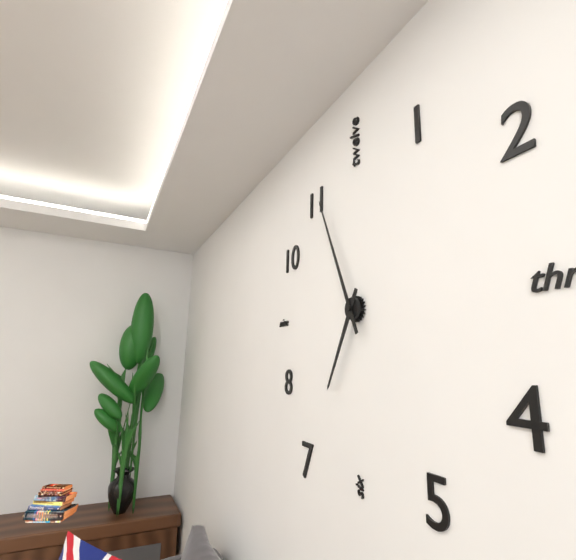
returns {"hour": 6, "minute": 56}
